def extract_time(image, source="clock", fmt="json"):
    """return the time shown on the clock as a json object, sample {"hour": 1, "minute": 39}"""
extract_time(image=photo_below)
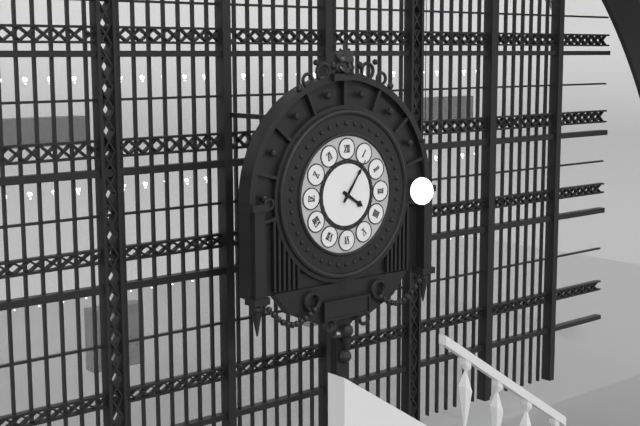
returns {"hour": 4, "minute": 6}
